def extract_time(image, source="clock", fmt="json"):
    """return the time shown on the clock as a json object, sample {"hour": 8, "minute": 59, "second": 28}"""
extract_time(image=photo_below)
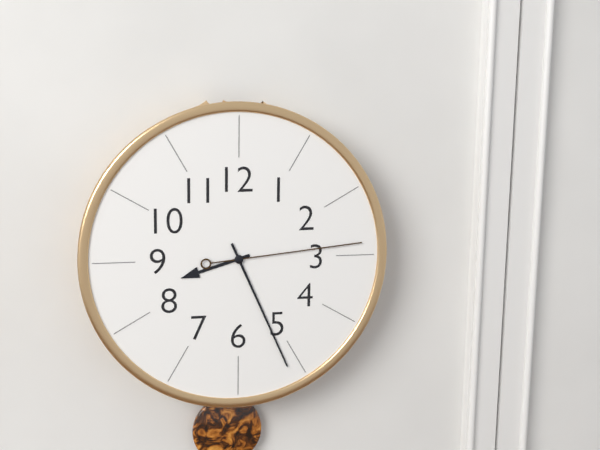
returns {"hour": 8, "minute": 26, "second": 14}
